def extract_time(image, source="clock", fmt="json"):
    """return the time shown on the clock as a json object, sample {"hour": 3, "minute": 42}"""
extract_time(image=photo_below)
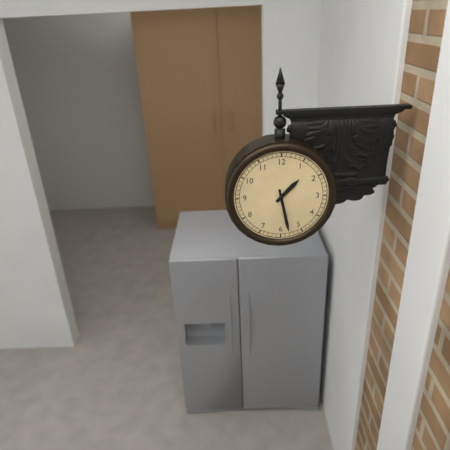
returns {"hour": 1, "minute": 28}
